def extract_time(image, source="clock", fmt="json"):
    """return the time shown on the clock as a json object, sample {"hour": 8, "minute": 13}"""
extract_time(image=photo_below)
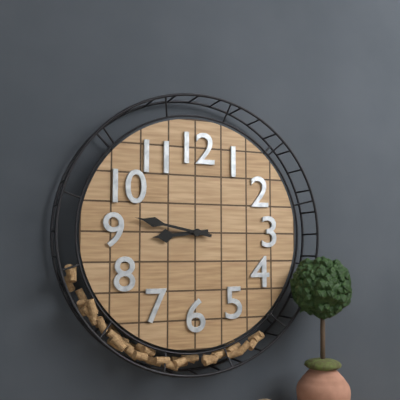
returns {"hour": 8, "minute": 47}
